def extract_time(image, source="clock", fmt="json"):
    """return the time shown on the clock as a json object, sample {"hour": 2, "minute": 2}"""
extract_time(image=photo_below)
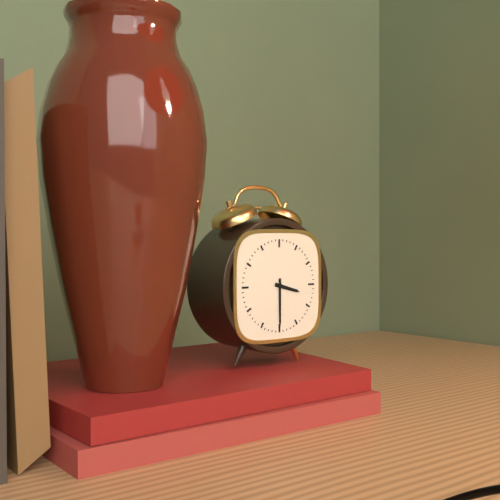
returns {"hour": 3, "minute": 30}
